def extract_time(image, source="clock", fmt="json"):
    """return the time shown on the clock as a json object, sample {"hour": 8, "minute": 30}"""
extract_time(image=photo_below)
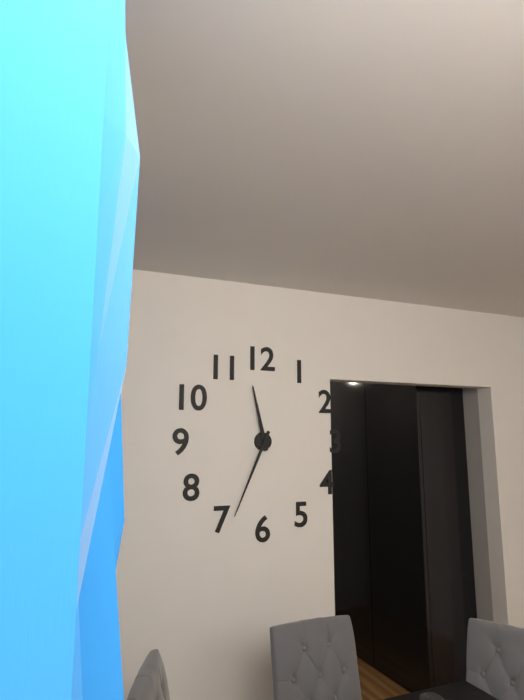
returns {"hour": 11, "minute": 34}
